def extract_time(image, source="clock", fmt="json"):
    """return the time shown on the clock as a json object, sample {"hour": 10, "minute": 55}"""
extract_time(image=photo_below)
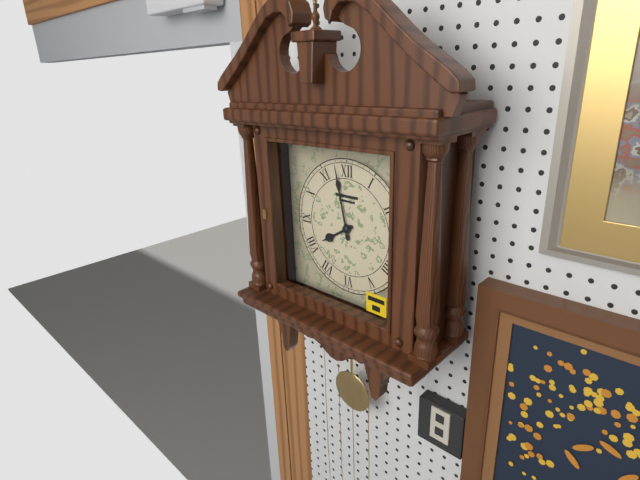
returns {"hour": 7, "minute": 58}
